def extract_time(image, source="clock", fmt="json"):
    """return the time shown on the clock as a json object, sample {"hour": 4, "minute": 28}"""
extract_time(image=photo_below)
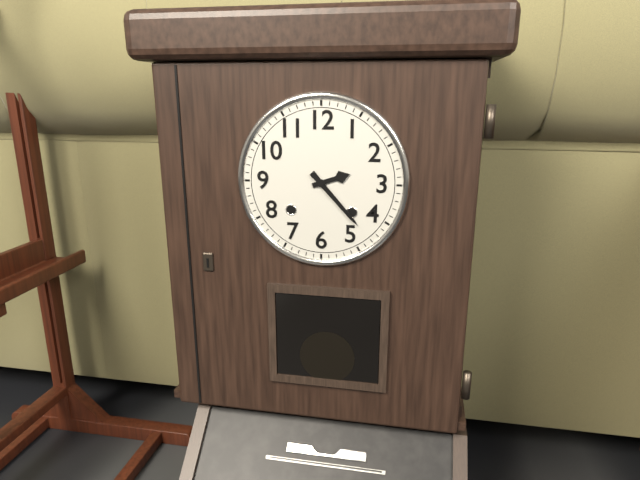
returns {"hour": 2, "minute": 23}
